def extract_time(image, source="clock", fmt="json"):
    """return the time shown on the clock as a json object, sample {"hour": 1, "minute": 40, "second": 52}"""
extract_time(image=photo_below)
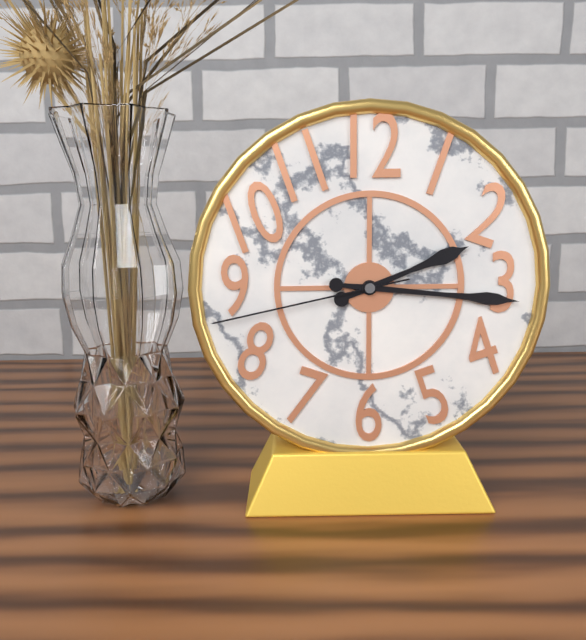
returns {"hour": 2, "minute": 16, "second": 43}
